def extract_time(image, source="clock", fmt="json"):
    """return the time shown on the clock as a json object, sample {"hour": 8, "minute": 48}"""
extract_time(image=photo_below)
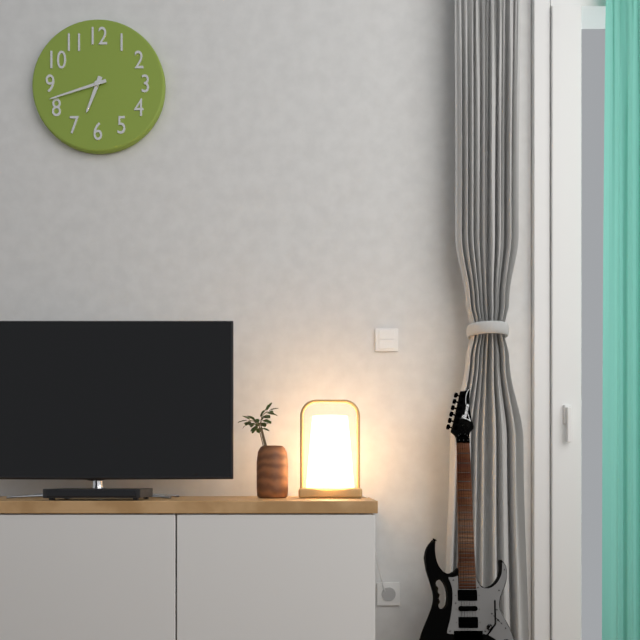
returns {"hour": 6, "minute": 42}
